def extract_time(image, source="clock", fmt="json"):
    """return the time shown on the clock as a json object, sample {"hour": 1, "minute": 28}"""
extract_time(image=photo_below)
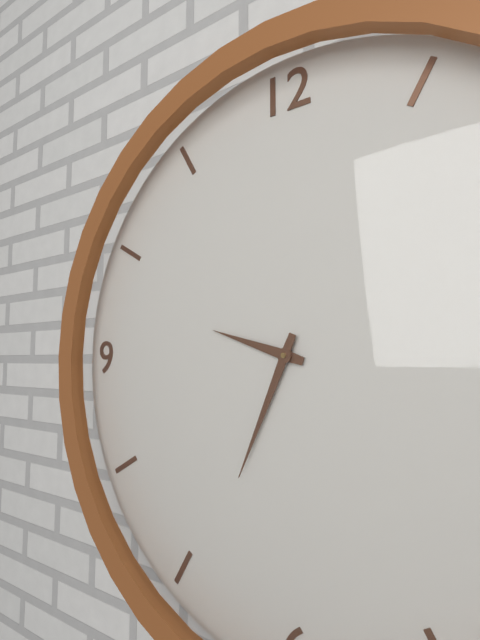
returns {"hour": 9, "minute": 34}
